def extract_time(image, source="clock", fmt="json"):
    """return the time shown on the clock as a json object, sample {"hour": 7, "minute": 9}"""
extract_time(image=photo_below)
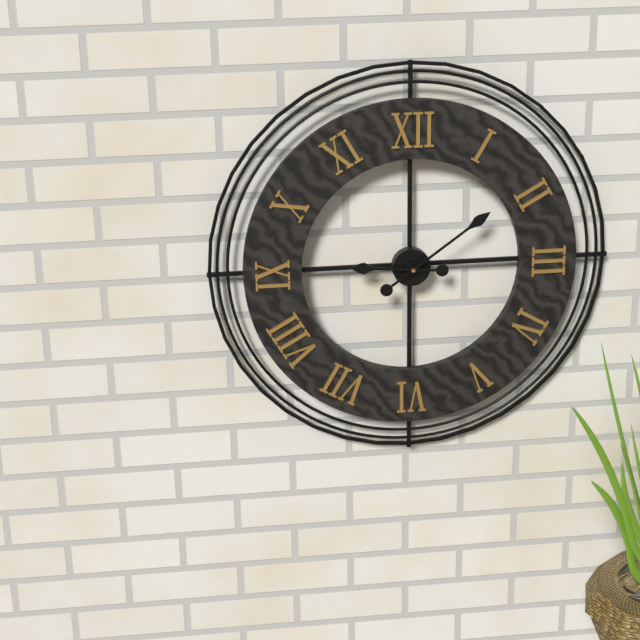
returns {"hour": 9, "minute": 9}
